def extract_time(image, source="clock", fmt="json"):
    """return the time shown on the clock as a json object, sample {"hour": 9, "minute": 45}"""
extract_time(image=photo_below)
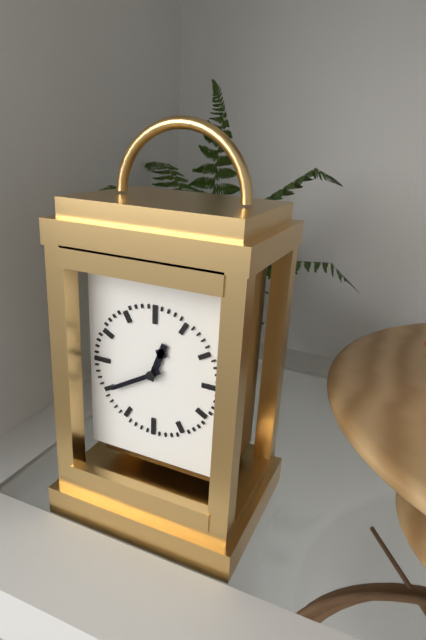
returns {"hour": 12, "minute": 40}
